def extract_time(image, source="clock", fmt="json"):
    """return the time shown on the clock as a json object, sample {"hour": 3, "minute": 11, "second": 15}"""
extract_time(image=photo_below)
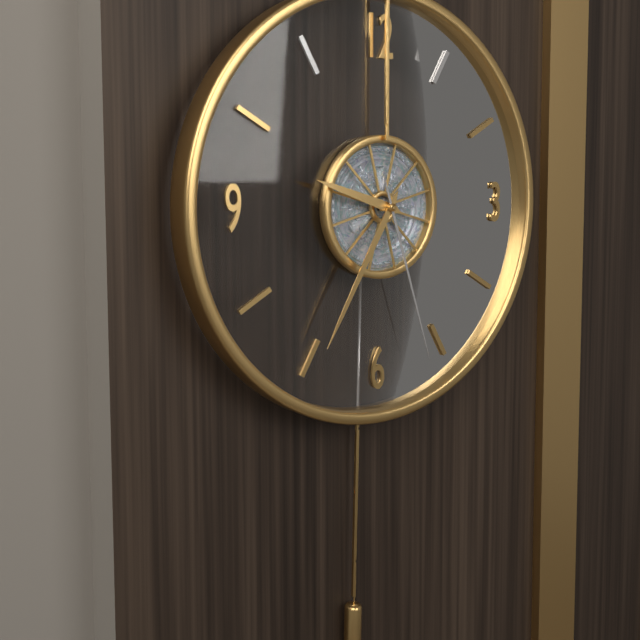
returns {"hour": 9, "minute": 35, "second": 27}
